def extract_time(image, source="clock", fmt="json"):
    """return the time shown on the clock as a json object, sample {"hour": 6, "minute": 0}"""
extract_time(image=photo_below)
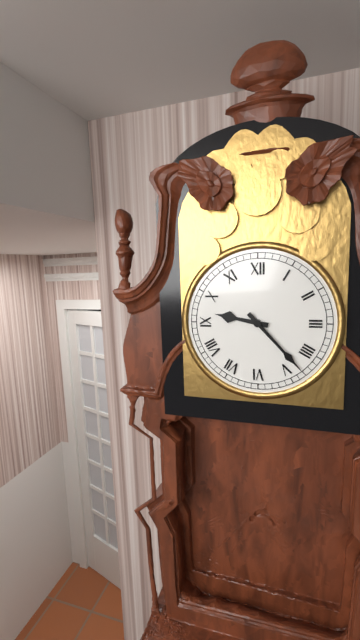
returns {"hour": 9, "minute": 23}
